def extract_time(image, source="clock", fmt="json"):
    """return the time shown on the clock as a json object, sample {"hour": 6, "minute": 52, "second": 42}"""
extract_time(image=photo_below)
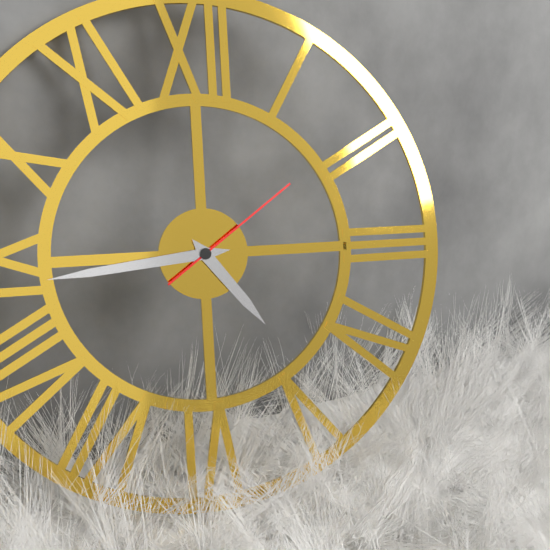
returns {"hour": 4, "minute": 44, "second": 9}
